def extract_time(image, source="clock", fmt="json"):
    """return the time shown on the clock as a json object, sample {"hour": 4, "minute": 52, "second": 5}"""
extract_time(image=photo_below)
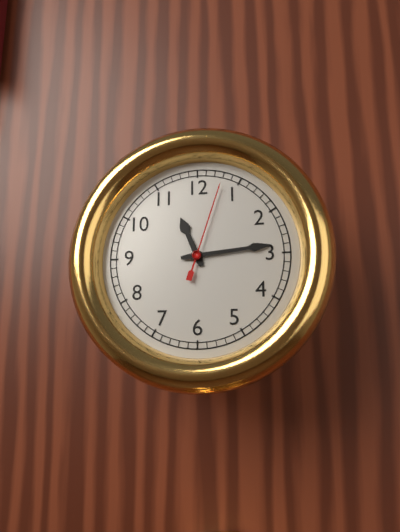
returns {"hour": 11, "minute": 14, "second": 3}
